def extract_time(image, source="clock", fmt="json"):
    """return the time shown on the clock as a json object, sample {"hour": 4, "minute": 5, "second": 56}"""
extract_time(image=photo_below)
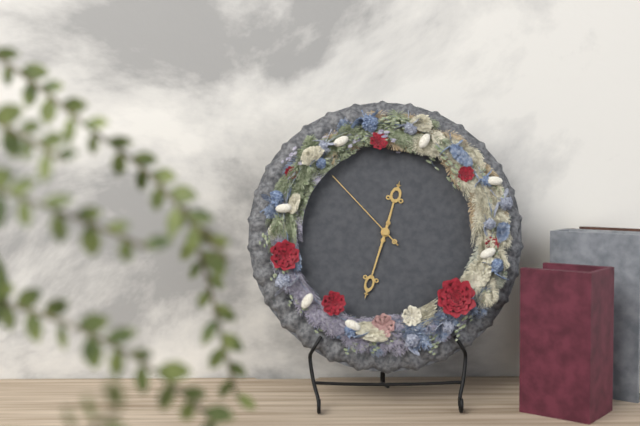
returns {"hour": 12, "minute": 33, "second": 53}
